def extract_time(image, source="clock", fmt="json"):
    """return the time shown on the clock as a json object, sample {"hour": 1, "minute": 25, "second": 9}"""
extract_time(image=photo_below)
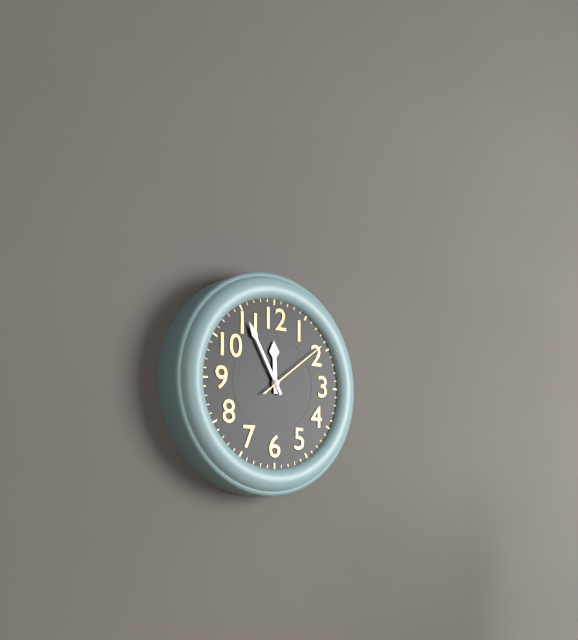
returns {"hour": 11, "minute": 55, "second": 9}
